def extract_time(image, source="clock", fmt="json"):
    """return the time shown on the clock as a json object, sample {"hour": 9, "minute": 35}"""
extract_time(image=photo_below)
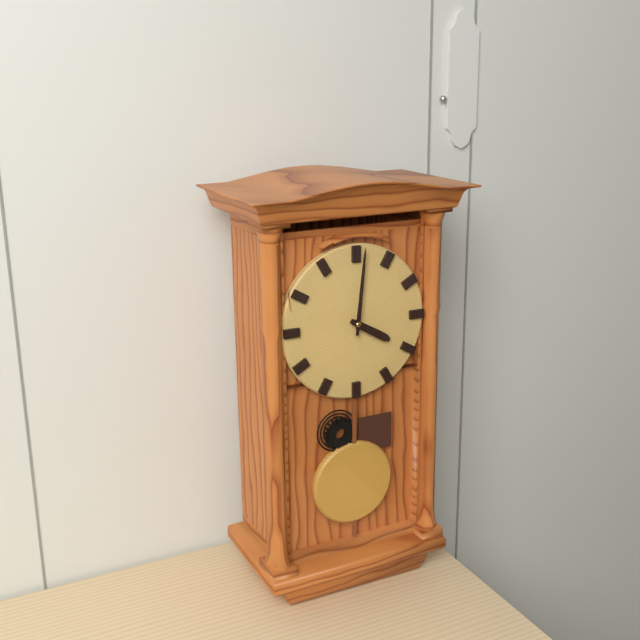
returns {"hour": 4, "minute": 1}
